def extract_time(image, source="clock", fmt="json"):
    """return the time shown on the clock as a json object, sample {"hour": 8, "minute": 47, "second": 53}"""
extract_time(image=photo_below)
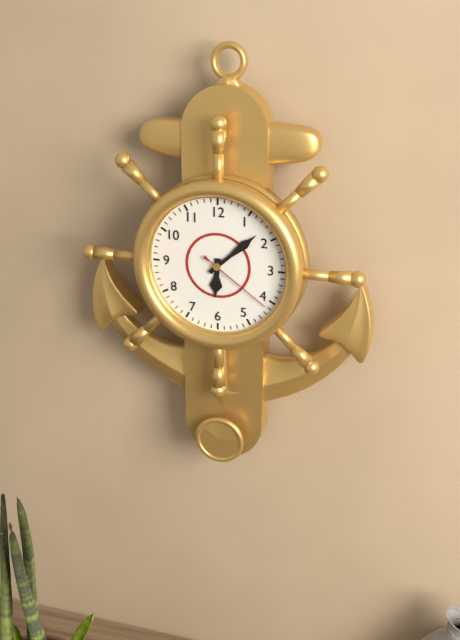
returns {"hour": 6, "minute": 8, "second": 21}
